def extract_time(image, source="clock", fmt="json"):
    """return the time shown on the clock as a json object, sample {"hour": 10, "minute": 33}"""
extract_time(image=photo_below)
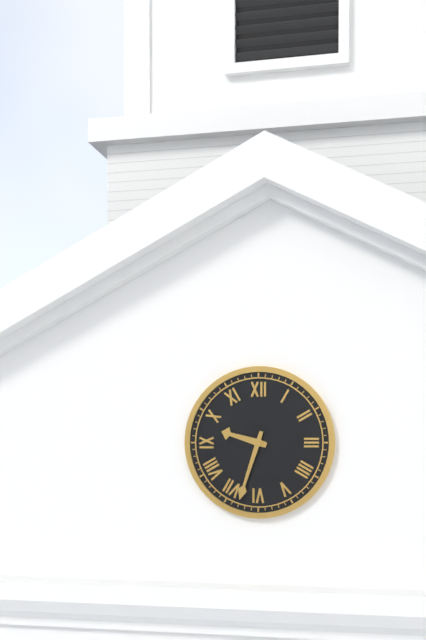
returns {"hour": 9, "minute": 33}
